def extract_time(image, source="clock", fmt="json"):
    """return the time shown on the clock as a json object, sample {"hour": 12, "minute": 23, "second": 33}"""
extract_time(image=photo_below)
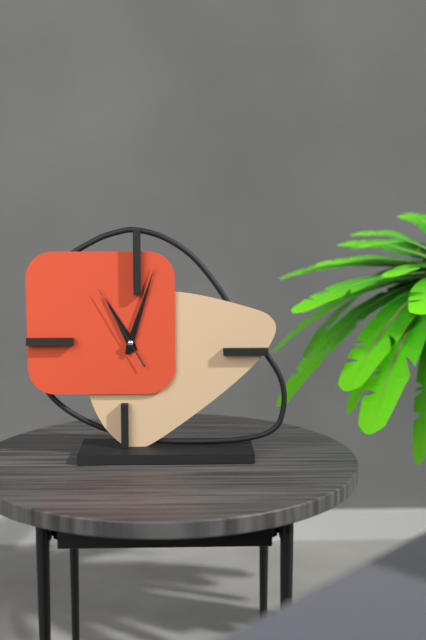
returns {"hour": 11, "minute": 3, "second": 55}
